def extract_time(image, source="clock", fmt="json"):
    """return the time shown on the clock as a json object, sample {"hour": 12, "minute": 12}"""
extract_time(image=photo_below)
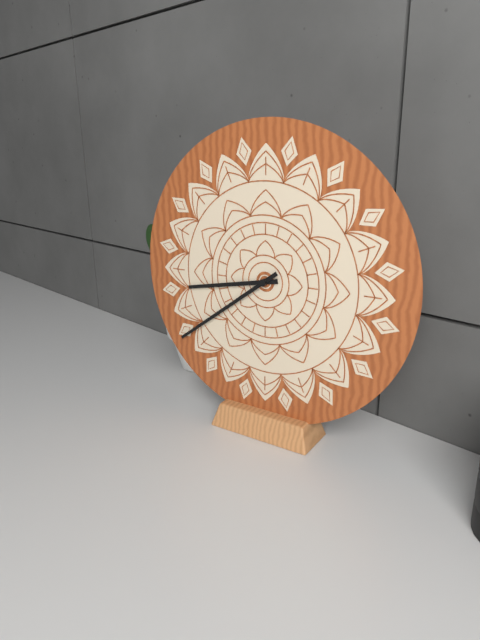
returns {"hour": 8, "minute": 39}
